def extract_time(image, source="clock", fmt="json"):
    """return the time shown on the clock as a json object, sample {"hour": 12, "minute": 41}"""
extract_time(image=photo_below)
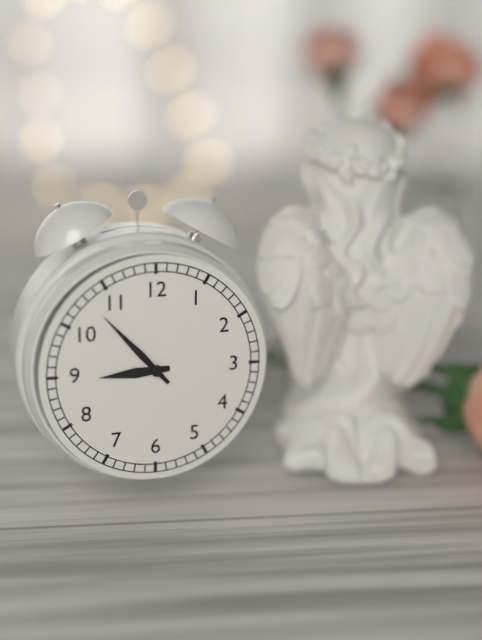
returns {"hour": 8, "minute": 53}
